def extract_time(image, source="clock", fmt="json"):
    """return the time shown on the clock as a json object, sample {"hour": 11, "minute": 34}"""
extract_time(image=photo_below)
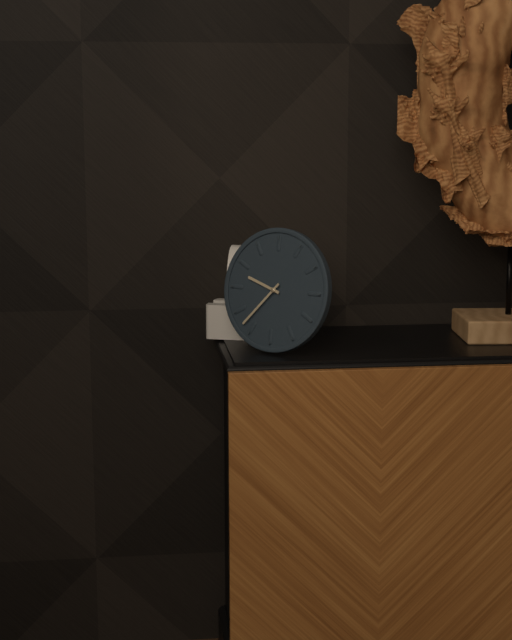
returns {"hour": 9, "minute": 37}
